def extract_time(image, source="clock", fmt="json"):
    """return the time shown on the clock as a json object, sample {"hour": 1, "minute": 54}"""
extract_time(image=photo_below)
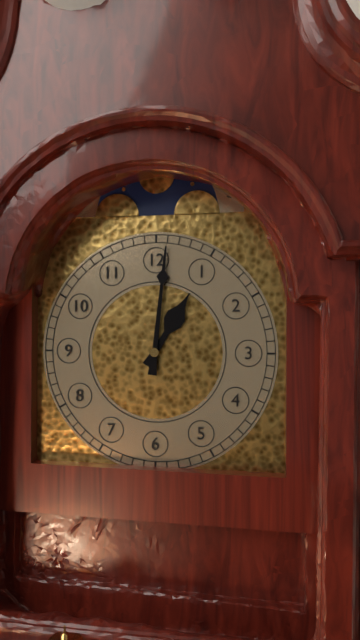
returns {"hour": 1, "minute": 1}
